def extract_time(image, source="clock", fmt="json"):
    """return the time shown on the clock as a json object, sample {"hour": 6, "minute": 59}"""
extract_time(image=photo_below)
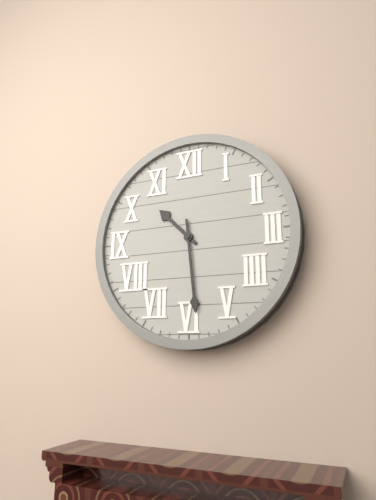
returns {"hour": 10, "minute": 29}
